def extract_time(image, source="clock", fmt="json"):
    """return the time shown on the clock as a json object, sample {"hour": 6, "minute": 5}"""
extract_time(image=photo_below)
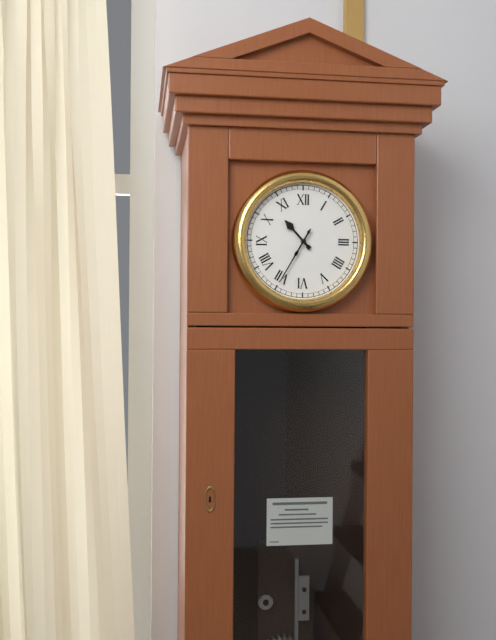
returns {"hour": 10, "minute": 35}
